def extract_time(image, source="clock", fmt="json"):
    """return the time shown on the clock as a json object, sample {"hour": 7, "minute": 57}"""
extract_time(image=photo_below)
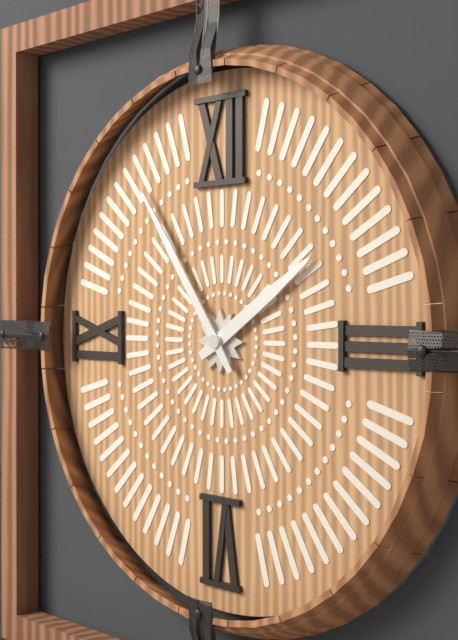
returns {"hour": 1, "minute": 54}
